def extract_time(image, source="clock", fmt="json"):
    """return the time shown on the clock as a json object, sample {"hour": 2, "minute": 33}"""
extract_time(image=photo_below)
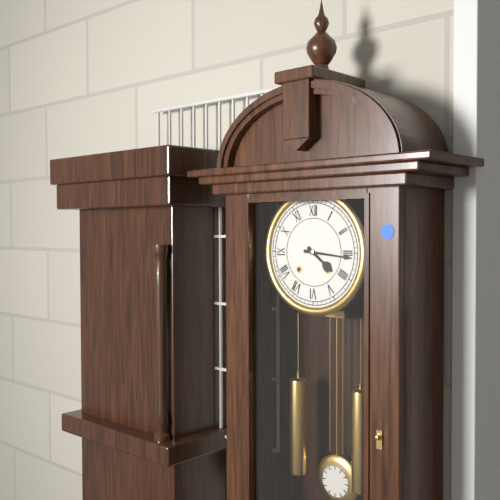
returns {"hour": 4, "minute": 16}
